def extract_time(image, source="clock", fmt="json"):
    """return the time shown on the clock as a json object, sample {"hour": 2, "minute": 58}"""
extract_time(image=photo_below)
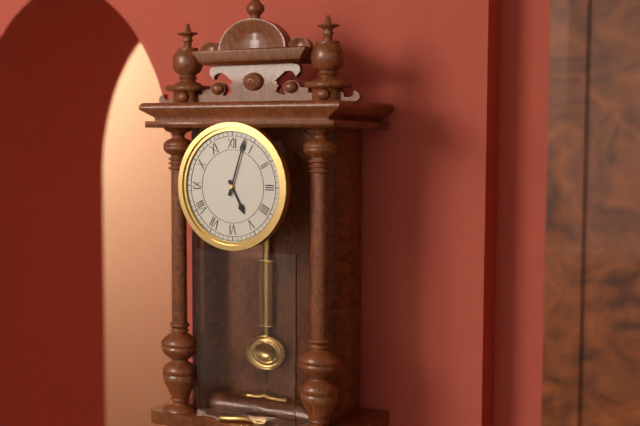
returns {"hour": 5, "minute": 3}
